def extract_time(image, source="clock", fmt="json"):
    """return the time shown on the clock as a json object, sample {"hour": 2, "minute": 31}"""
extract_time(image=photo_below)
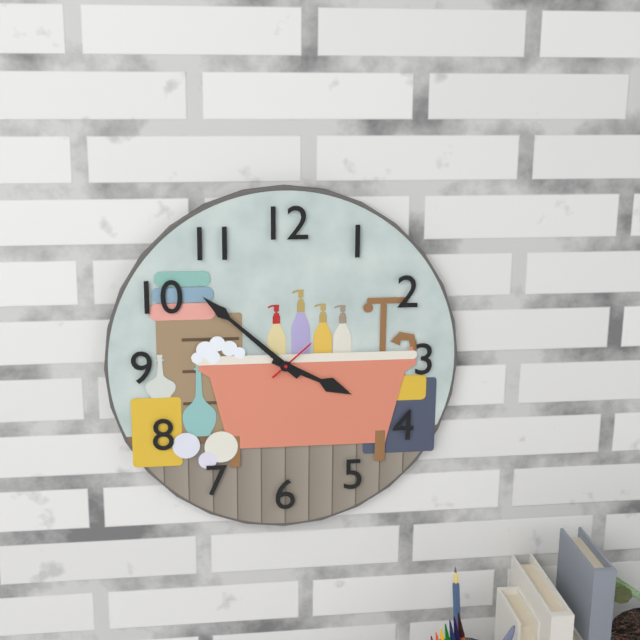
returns {"hour": 3, "minute": 52}
